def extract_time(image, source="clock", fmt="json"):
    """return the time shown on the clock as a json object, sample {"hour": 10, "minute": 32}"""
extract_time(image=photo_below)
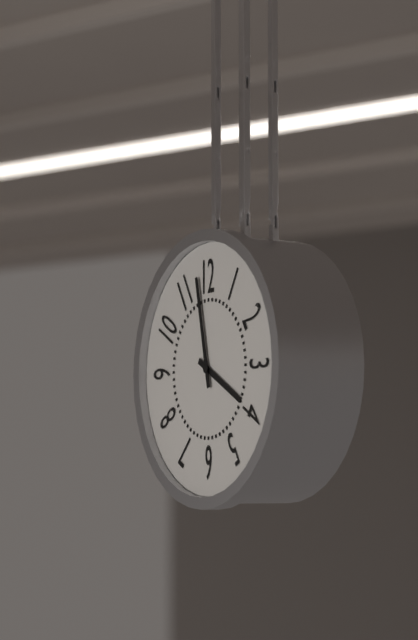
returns {"hour": 3, "minute": 58}
